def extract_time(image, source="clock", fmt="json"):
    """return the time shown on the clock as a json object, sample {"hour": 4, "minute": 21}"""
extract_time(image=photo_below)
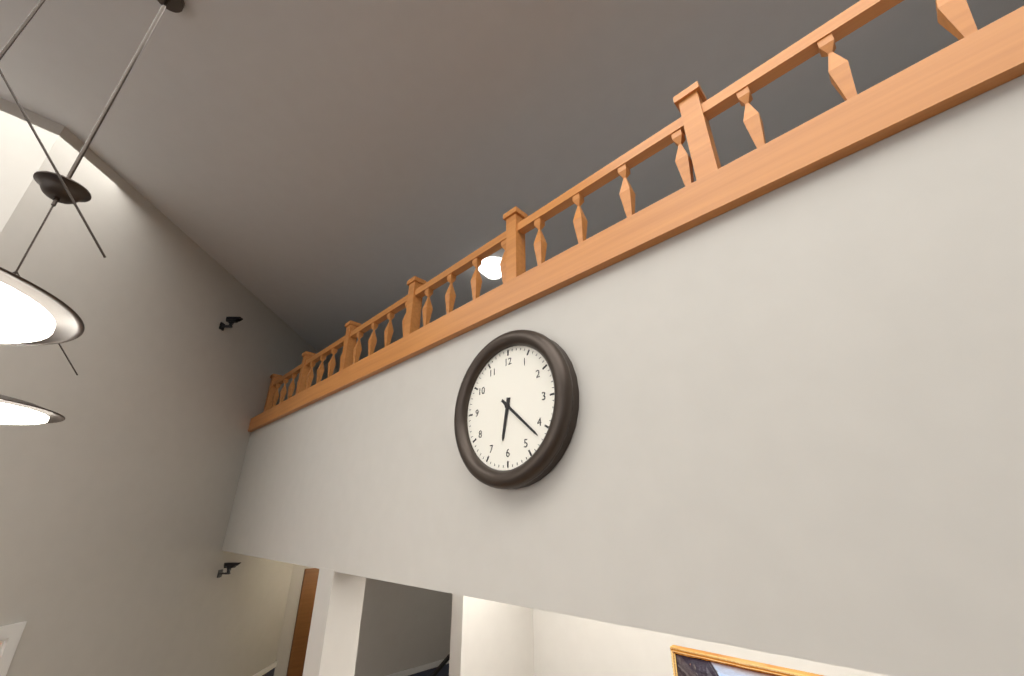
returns {"hour": 6, "minute": 22}
